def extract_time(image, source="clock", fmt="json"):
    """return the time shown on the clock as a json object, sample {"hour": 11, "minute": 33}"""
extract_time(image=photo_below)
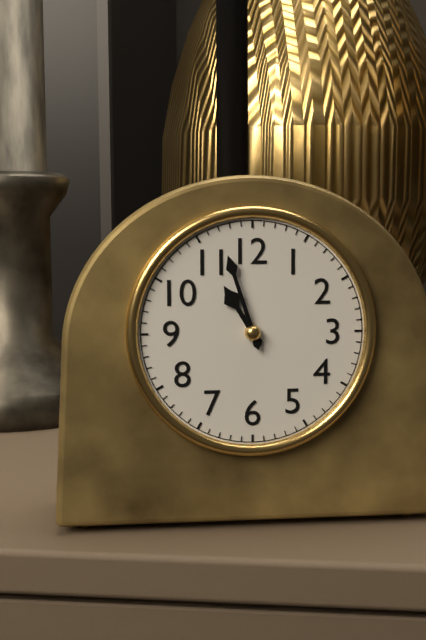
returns {"hour": 10, "minute": 57}
